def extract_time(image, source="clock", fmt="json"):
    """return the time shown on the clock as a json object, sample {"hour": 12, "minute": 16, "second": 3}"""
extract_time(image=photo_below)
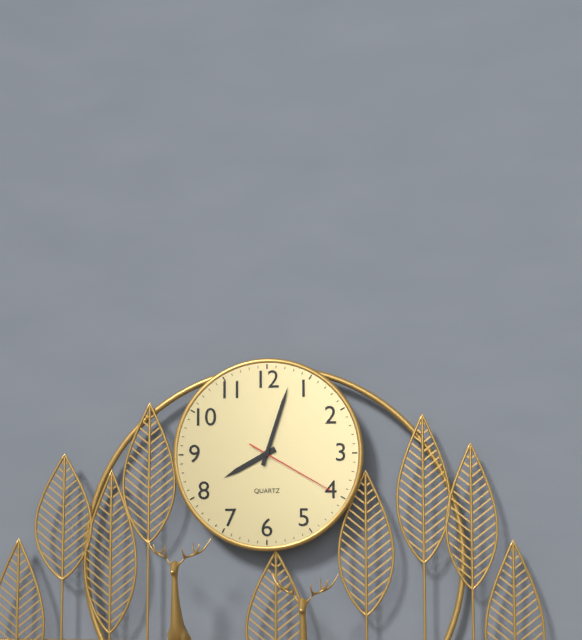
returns {"hour": 8, "minute": 3, "second": 20}
